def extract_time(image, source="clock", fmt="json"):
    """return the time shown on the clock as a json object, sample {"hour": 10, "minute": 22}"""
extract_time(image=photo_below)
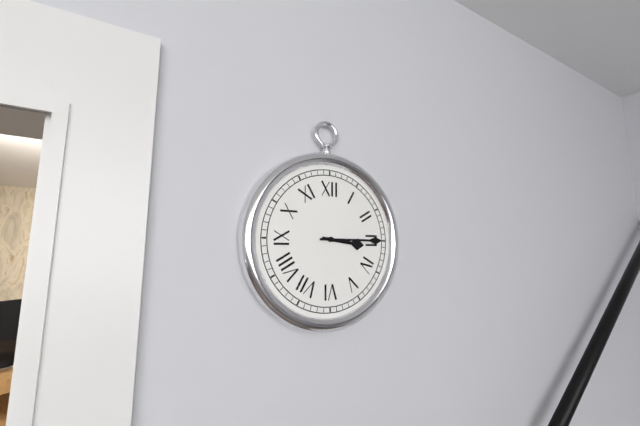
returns {"hour": 3, "minute": 15}
